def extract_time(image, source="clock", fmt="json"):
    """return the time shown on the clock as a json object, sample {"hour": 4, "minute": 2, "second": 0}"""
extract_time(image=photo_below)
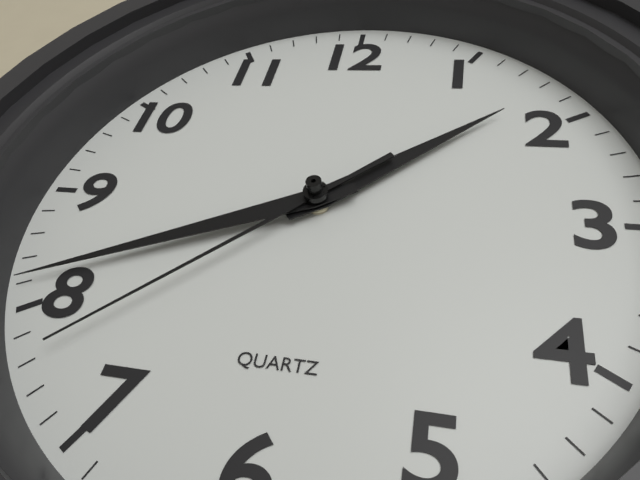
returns {"hour": 1, "minute": 41, "second": 38}
